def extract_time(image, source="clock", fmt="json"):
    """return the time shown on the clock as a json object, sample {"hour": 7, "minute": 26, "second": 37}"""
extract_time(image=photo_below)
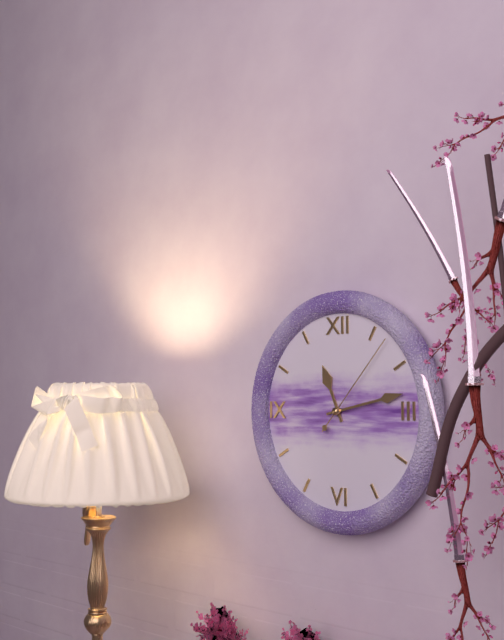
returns {"hour": 11, "minute": 13, "second": 7}
